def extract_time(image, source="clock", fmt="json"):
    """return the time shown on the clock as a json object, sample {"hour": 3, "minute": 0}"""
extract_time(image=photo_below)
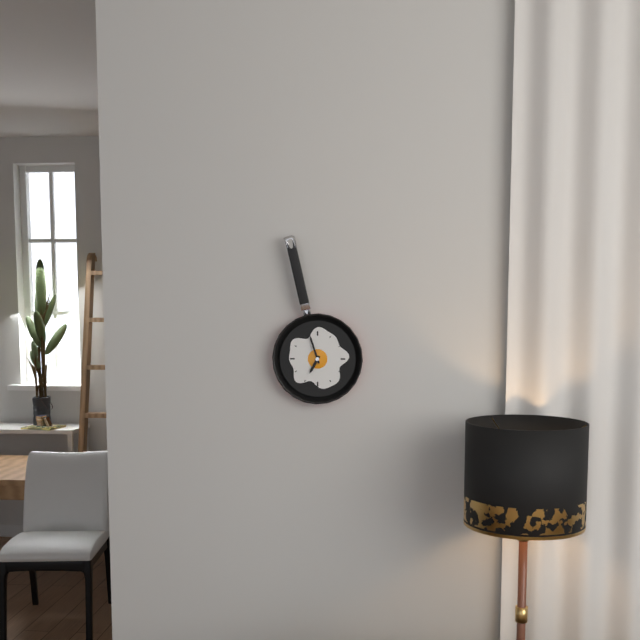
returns {"hour": 6, "minute": 57}
